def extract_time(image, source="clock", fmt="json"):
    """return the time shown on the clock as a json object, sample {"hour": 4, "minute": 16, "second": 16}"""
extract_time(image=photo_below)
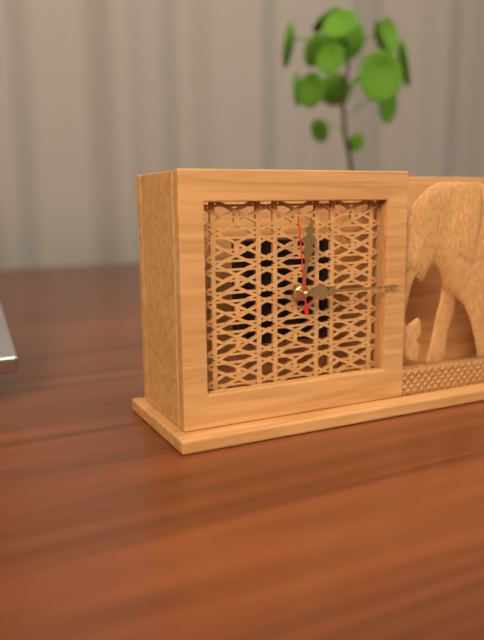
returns {"hour": 12, "minute": 15, "second": 59}
